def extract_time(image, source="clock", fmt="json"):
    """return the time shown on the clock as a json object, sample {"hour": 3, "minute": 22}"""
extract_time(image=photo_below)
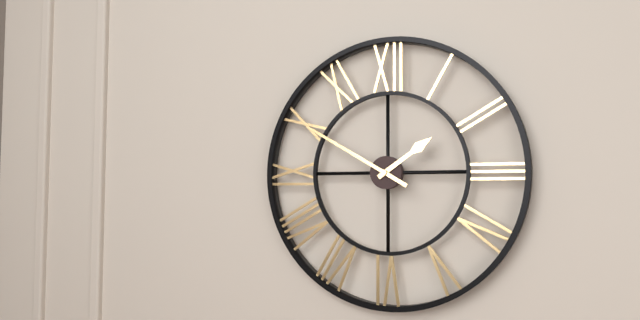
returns {"hour": 1, "minute": 50}
